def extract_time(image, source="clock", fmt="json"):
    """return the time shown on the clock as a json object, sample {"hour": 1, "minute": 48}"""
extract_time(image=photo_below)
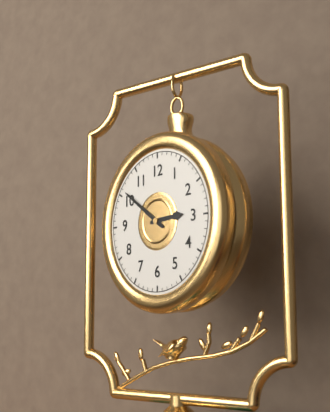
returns {"hour": 2, "minute": 51}
